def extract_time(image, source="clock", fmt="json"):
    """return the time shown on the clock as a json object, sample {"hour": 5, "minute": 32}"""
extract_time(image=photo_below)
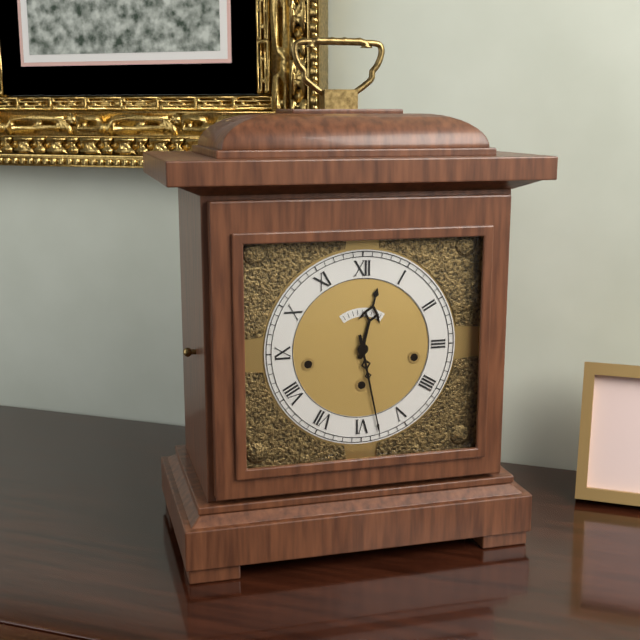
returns {"hour": 12, "minute": 28}
